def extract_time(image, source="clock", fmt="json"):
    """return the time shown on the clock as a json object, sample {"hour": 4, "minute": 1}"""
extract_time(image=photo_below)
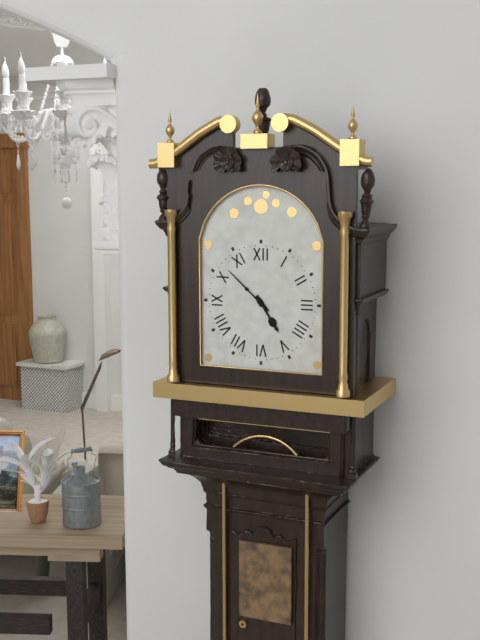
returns {"hour": 4, "minute": 52}
